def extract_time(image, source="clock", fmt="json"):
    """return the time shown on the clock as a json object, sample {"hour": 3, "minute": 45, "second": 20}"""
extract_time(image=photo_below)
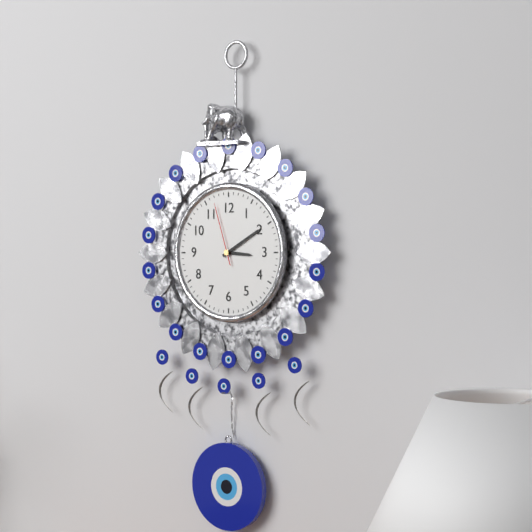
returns {"hour": 3, "minute": 10, "second": 57}
